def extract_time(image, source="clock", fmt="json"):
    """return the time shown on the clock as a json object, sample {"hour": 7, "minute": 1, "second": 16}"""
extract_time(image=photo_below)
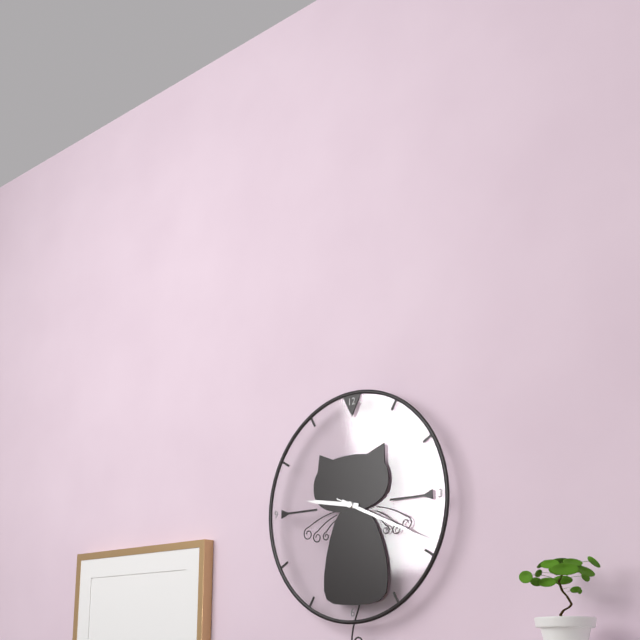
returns {"hour": 9, "minute": 19, "second": 19}
